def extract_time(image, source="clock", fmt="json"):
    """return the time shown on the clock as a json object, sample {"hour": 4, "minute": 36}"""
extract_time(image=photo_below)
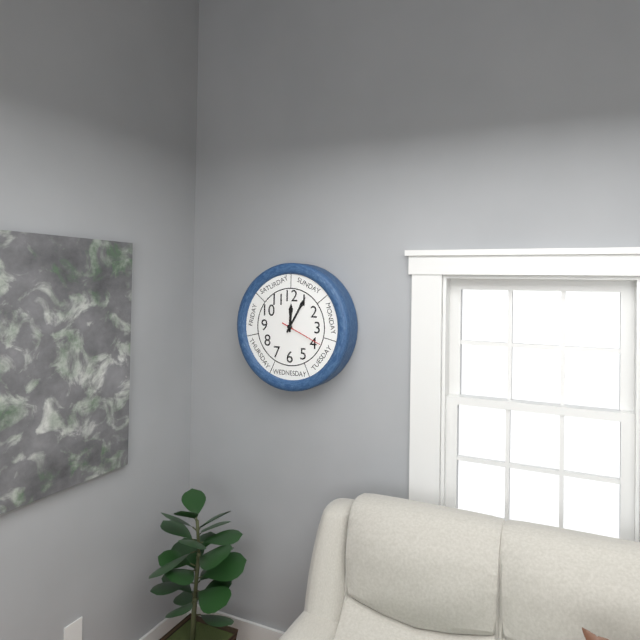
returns {"hour": 12, "minute": 5}
